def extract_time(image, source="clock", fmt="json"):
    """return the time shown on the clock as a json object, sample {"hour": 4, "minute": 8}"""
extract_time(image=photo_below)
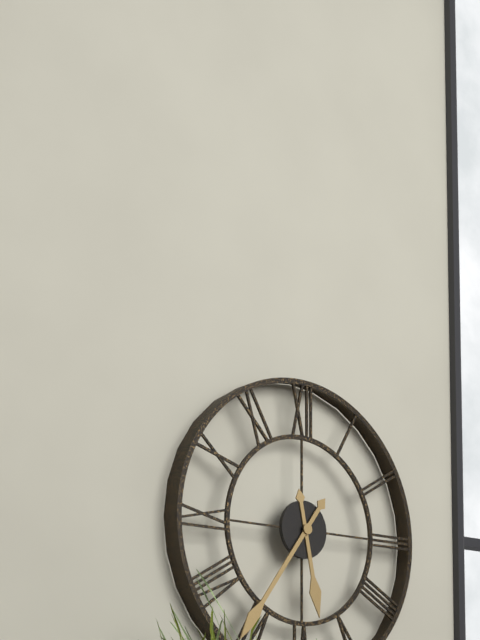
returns {"hour": 5, "minute": 36}
